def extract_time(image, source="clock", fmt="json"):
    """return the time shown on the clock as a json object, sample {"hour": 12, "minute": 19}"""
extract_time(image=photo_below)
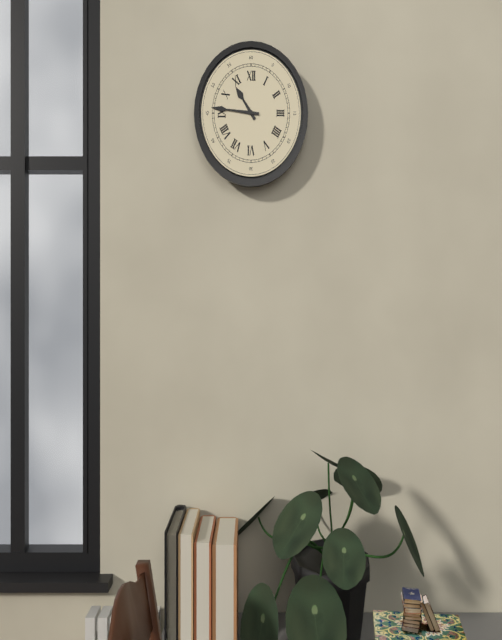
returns {"hour": 10, "minute": 46}
